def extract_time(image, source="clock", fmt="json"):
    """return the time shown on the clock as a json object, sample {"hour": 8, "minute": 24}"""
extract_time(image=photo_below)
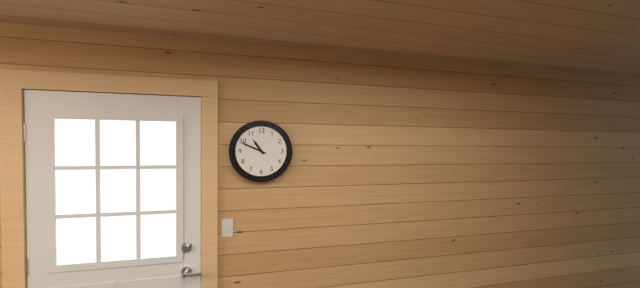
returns {"hour": 10, "minute": 49}
